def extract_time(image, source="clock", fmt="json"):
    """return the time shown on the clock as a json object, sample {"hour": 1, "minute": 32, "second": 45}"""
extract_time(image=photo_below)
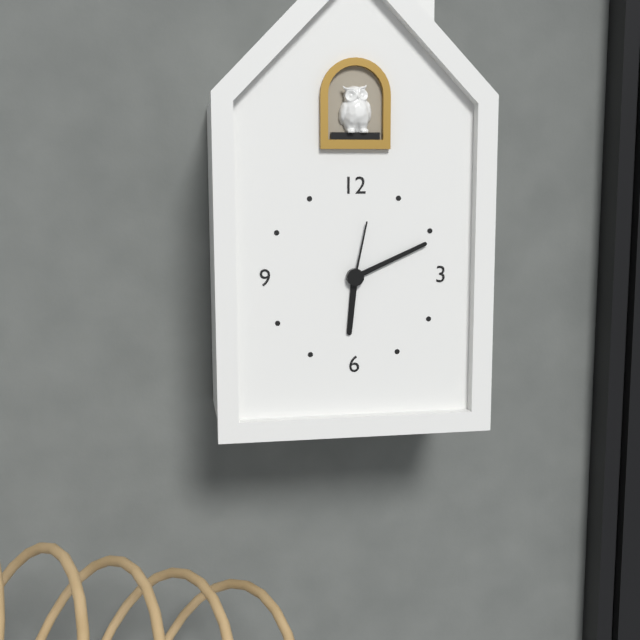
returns {"hour": 6, "minute": 11, "second": 2}
